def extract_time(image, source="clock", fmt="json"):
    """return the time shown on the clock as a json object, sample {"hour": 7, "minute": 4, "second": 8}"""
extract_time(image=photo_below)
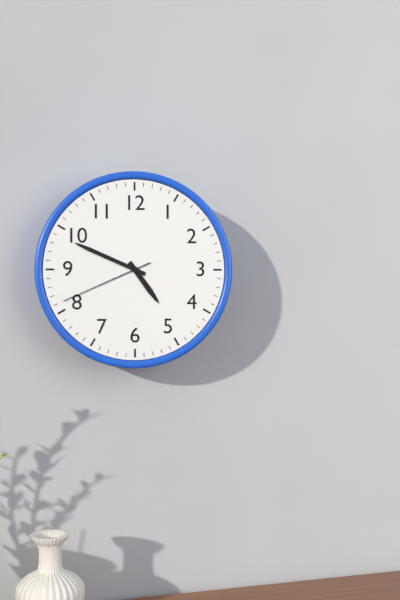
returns {"hour": 4, "minute": 49, "second": 41}
